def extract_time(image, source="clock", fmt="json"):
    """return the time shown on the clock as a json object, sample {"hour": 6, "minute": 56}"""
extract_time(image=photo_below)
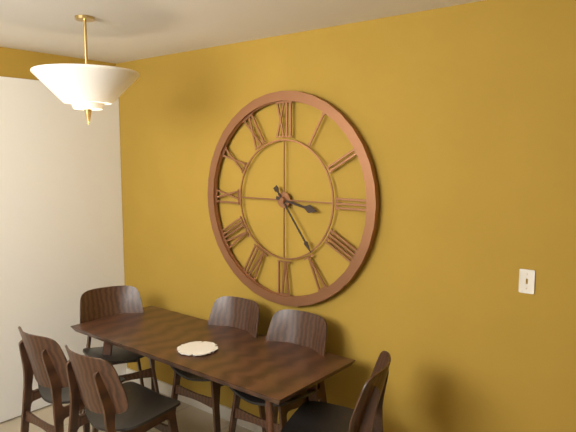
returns {"hour": 3, "minute": 24}
